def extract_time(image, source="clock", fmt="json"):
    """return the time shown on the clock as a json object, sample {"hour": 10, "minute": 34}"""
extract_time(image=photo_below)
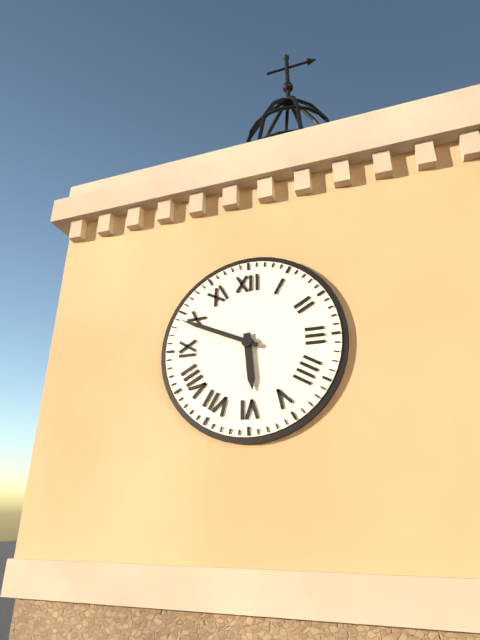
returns {"hour": 5, "minute": 49}
